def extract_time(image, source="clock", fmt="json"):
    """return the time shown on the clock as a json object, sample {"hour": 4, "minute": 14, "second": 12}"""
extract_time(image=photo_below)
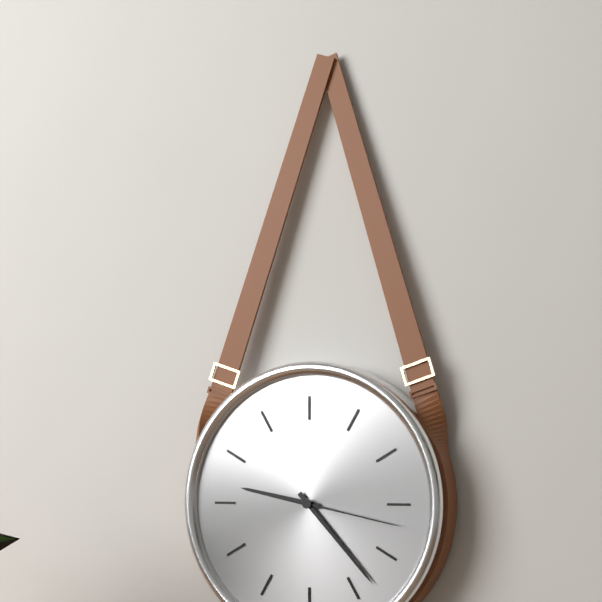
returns {"hour": 9, "minute": 23, "second": 17}
